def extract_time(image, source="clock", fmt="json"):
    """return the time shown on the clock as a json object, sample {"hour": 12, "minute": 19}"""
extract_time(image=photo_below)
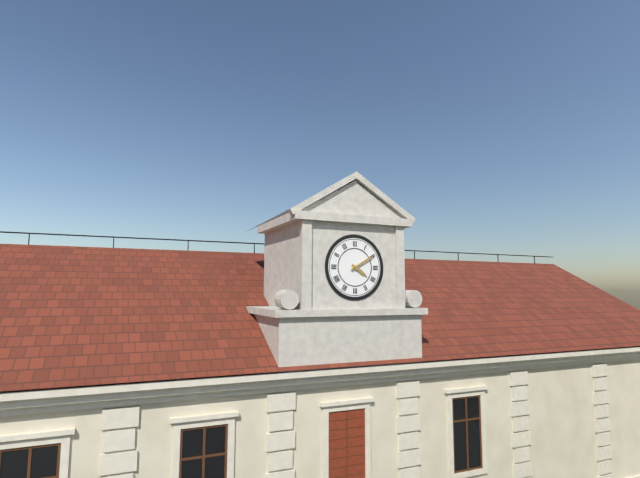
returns {"hour": 4, "minute": 10}
